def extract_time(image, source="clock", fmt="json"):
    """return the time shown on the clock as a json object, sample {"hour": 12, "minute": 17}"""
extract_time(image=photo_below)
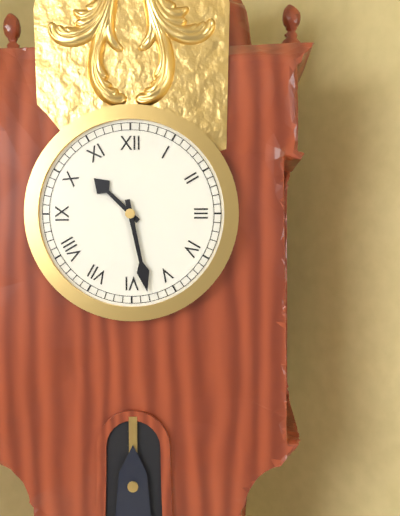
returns {"hour": 10, "minute": 28}
